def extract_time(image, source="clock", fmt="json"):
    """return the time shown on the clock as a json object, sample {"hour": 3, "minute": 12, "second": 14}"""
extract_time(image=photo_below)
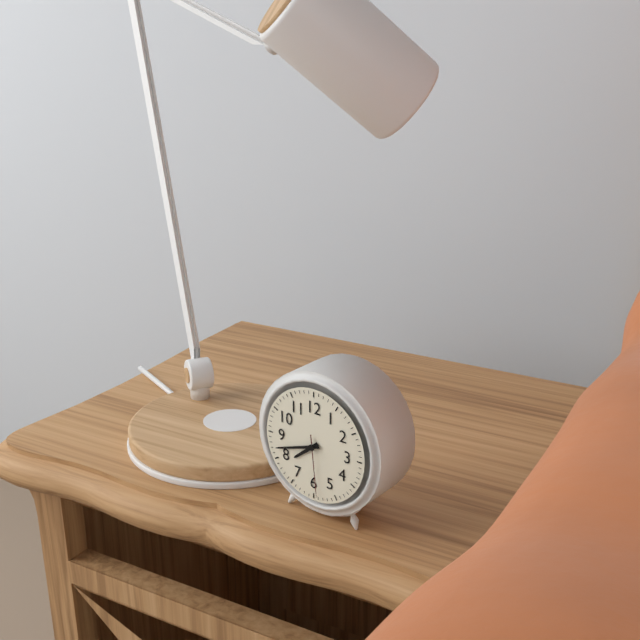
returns {"hour": 7, "minute": 42, "second": 29}
